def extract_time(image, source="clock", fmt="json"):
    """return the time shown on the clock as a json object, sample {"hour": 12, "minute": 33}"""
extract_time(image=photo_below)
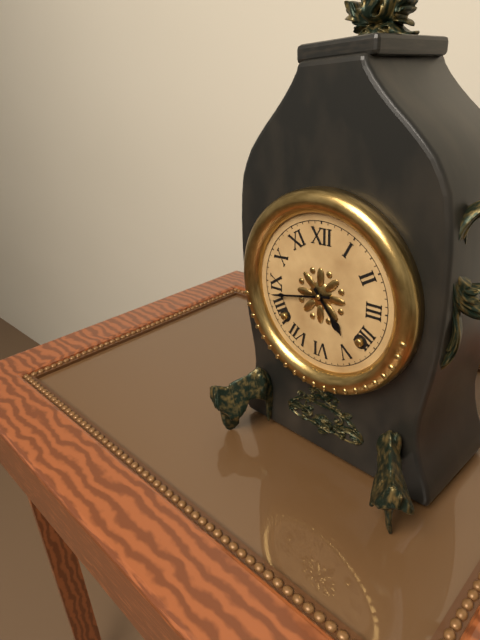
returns {"hour": 4, "minute": 43}
